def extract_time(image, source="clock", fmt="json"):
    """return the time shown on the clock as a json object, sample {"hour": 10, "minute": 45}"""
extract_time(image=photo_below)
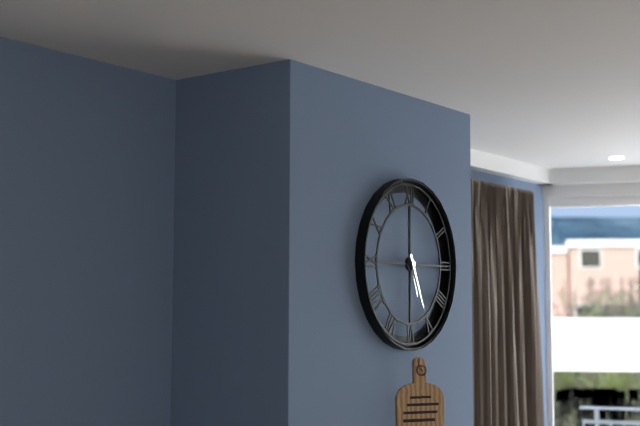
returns {"hour": 5, "minute": 26}
